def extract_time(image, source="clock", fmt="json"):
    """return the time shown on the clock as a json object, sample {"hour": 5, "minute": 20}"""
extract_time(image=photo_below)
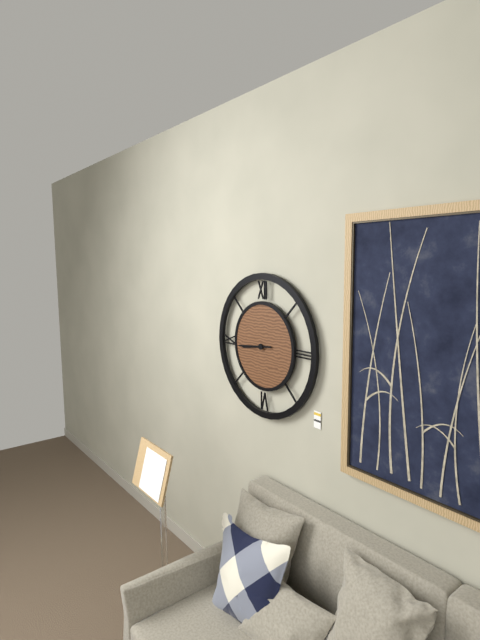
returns {"hour": 8, "minute": 44}
